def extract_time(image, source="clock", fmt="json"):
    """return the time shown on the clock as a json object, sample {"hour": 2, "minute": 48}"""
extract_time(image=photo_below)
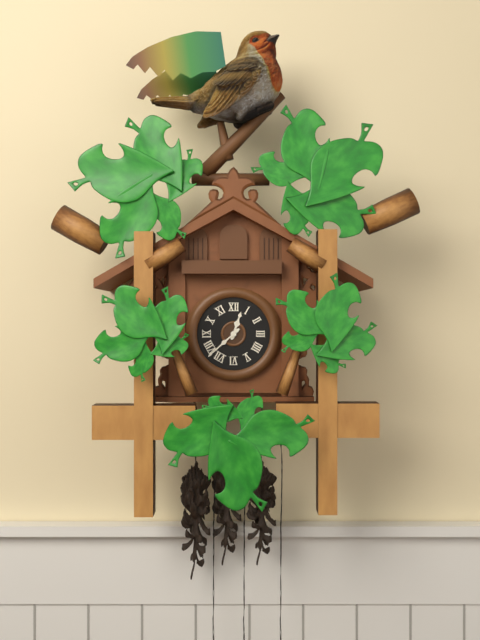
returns {"hour": 12, "minute": 38}
